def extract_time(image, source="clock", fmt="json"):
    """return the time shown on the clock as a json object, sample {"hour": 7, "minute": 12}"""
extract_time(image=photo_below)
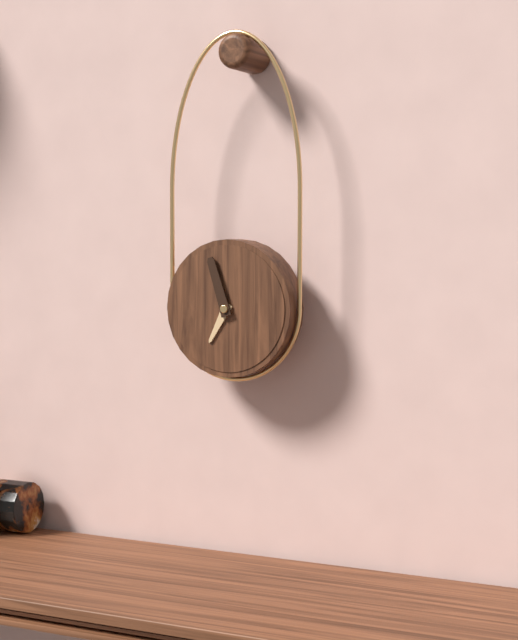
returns {"hour": 6, "minute": 57}
